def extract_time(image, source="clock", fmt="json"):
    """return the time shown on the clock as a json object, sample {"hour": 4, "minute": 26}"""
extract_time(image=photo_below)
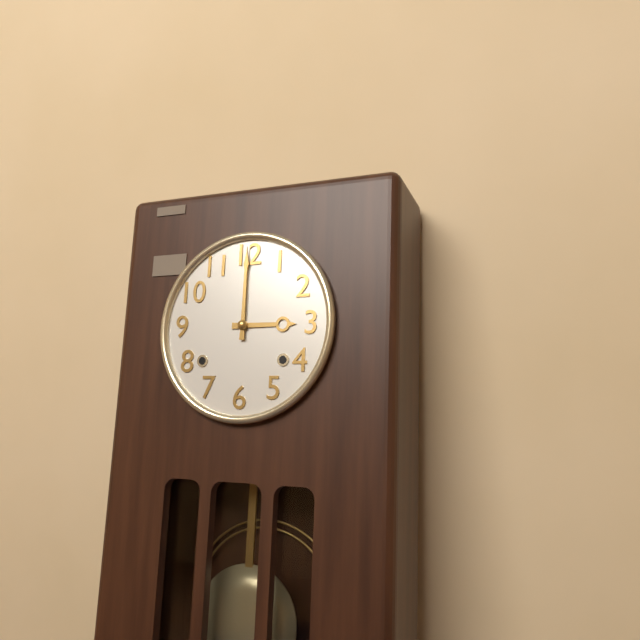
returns {"hour": 3, "minute": 0}
